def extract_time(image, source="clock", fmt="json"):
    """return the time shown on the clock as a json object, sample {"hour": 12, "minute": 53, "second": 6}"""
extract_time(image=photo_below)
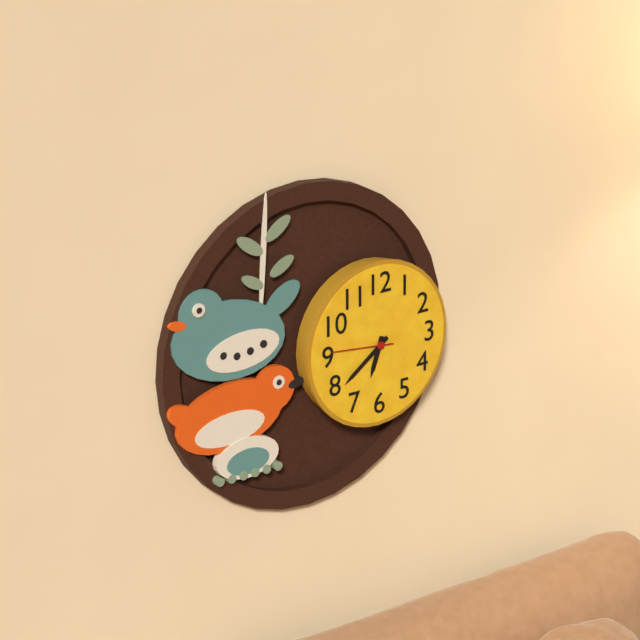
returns {"hour": 6, "minute": 39, "second": 46}
